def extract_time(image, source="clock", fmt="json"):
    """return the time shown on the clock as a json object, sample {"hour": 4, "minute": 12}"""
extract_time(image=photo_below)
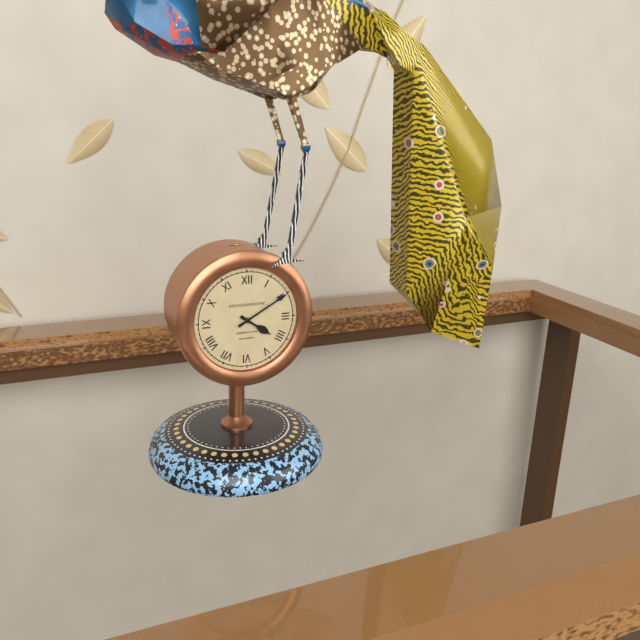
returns {"hour": 4, "minute": 10}
